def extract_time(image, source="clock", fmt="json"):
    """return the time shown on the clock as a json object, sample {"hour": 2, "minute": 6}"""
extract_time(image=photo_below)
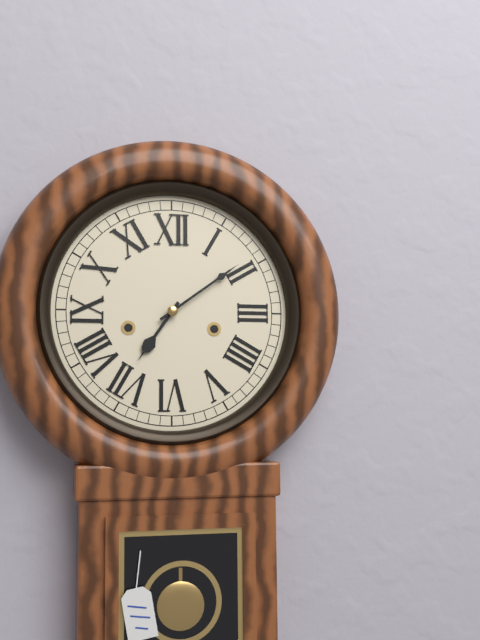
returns {"hour": 7, "minute": 9}
